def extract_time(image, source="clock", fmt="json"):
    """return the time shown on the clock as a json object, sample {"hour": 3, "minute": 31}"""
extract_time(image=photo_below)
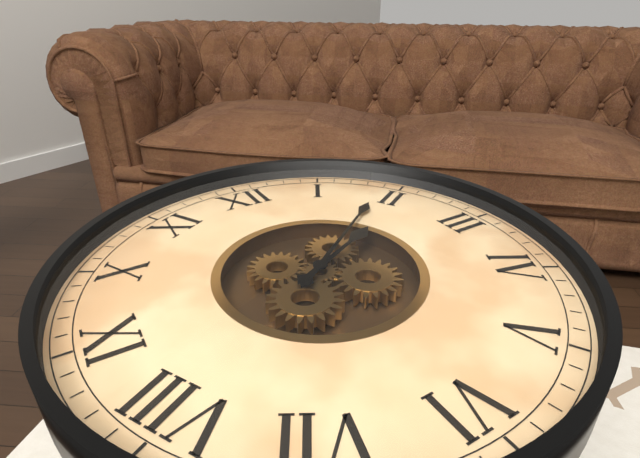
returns {"hour": 2, "minute": 9}
